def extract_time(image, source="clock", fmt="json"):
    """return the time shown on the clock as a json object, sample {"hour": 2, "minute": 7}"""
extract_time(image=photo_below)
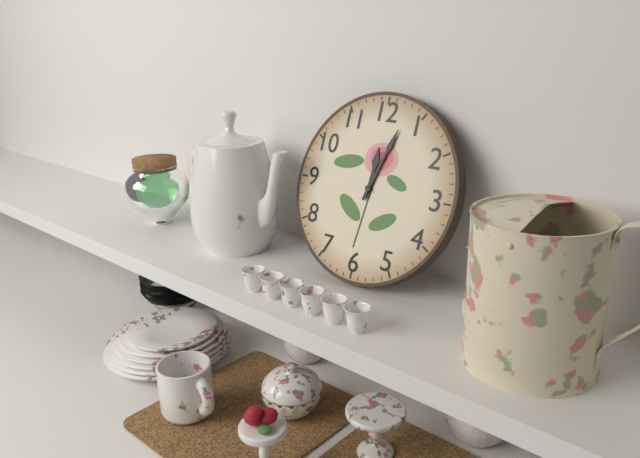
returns {"hour": 12, "minute": 3}
